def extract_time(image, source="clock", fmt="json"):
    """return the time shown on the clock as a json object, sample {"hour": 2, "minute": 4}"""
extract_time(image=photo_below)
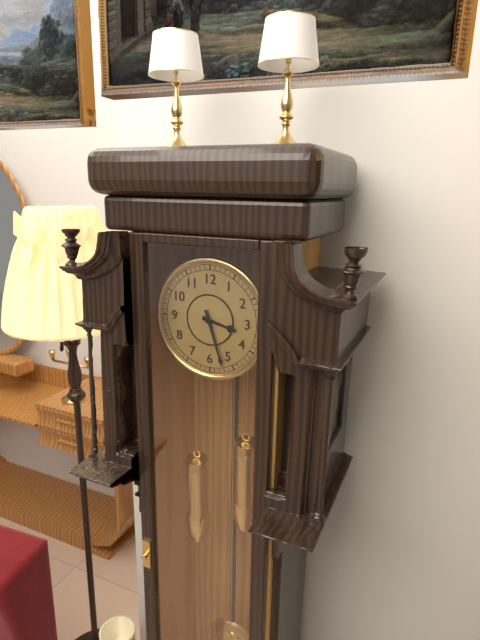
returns {"hour": 3, "minute": 27}
